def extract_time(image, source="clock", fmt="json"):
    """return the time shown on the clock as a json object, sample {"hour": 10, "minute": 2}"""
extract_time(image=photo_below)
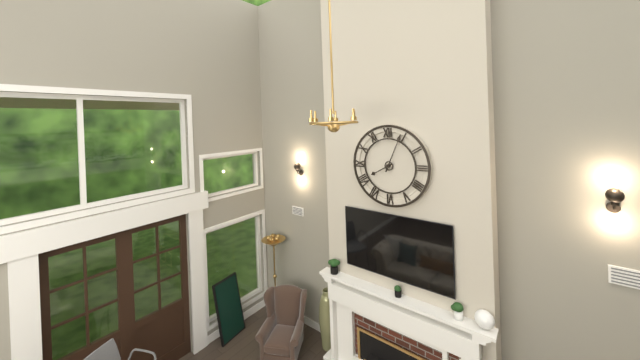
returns {"hour": 8, "minute": 4}
